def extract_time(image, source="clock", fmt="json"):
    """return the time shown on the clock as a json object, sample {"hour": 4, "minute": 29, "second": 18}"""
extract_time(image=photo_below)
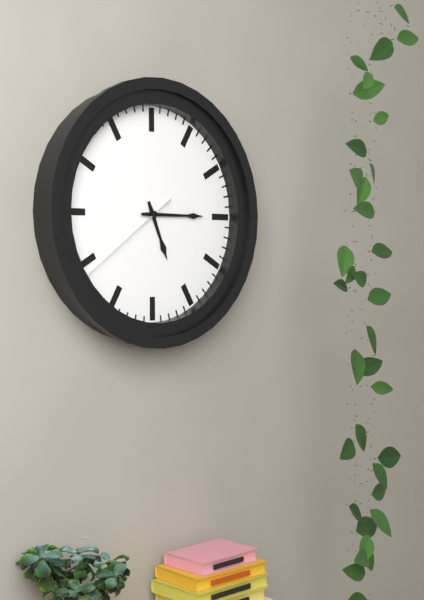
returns {"hour": 5, "minute": 15, "second": 39}
